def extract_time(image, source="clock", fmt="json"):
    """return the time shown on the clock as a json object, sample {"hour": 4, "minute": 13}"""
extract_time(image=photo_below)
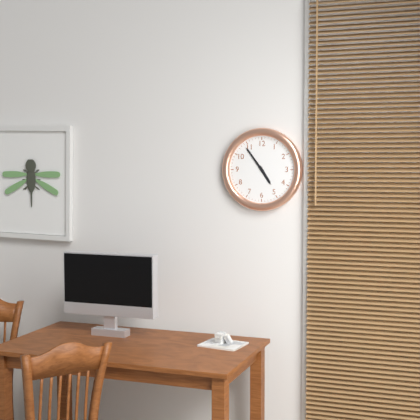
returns {"hour": 4, "minute": 54}
